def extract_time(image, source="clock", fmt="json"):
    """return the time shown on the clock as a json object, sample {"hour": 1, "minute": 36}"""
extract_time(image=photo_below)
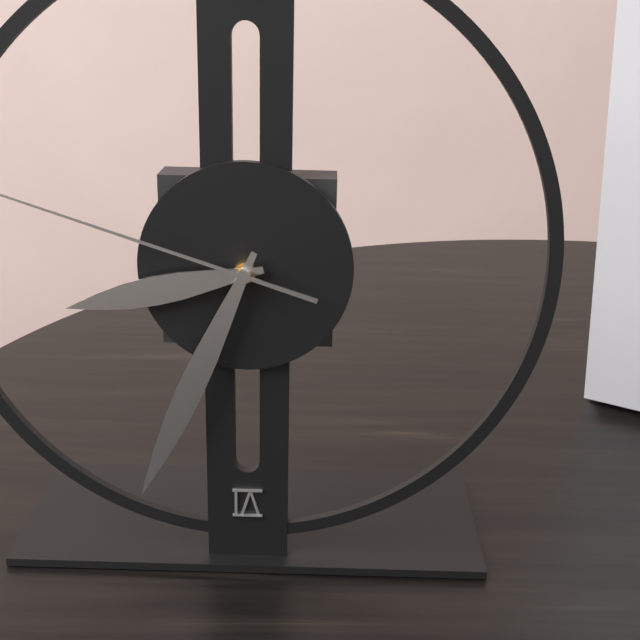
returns {"hour": 8, "minute": 34}
